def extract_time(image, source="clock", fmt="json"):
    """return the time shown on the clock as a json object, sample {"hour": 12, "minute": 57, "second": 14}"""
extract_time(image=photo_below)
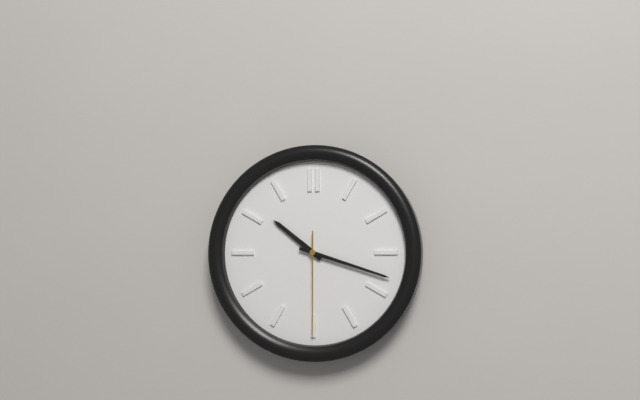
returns {"hour": 10, "minute": 18, "second": 30}
